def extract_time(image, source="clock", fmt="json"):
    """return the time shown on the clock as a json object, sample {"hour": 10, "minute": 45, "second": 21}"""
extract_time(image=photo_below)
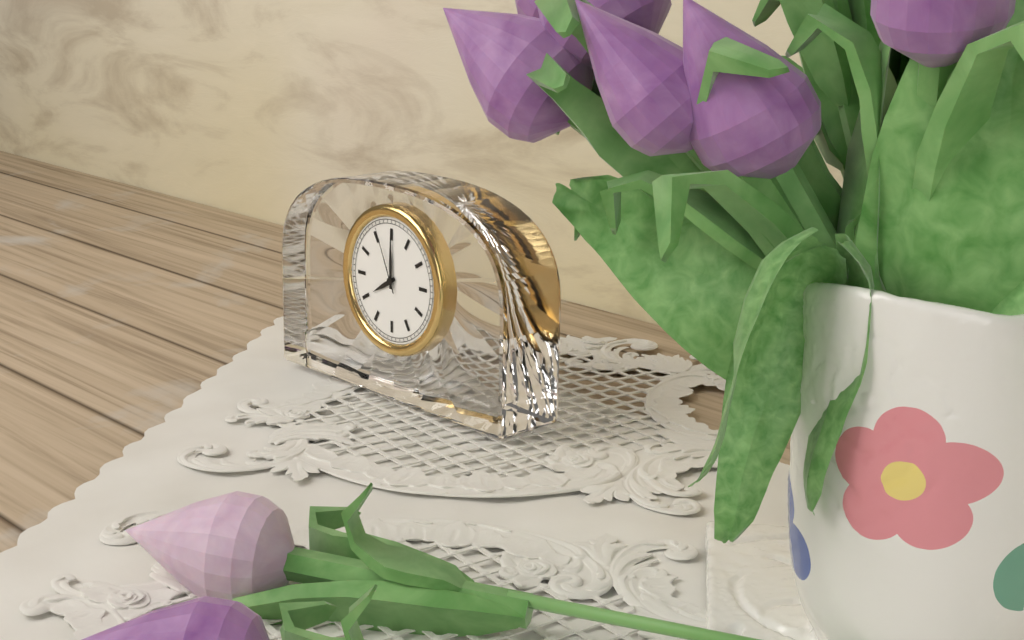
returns {"hour": 8, "minute": 0, "second": 56}
